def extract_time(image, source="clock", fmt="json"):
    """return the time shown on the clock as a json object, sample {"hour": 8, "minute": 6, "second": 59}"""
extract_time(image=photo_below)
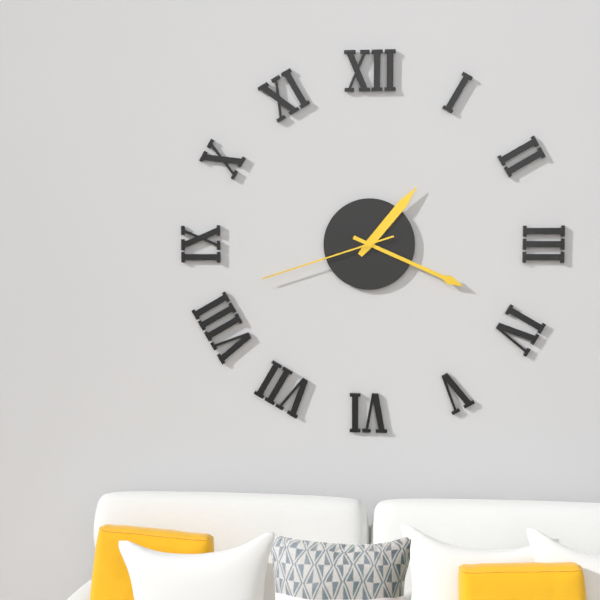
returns {"hour": 1, "minute": 19, "second": 42}
